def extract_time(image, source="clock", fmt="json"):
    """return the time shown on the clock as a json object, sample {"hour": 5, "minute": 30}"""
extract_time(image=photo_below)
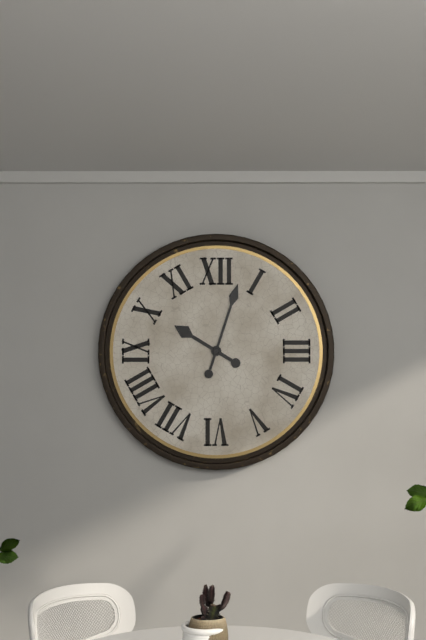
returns {"hour": 10, "minute": 3}
